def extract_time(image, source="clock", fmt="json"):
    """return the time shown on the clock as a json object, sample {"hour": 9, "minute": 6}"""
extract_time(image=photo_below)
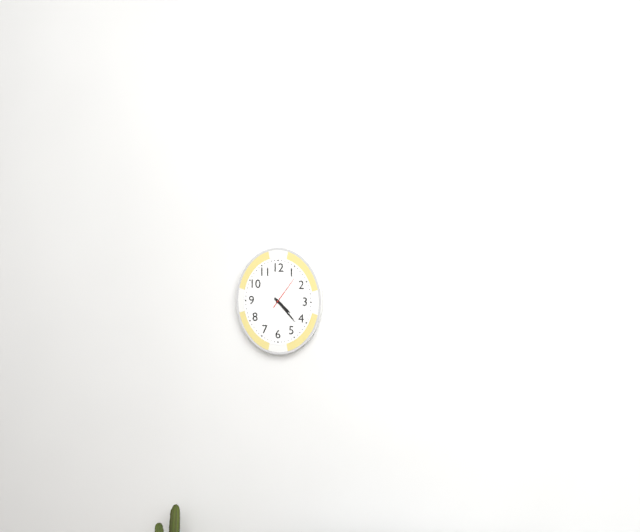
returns {"hour": 4, "minute": 23}
